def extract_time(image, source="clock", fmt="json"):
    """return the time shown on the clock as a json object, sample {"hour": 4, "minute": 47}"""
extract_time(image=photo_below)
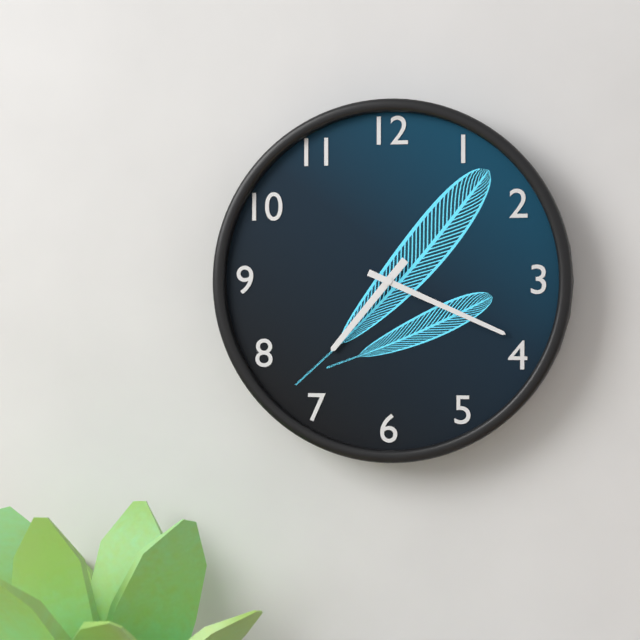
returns {"hour": 7, "minute": 19}
